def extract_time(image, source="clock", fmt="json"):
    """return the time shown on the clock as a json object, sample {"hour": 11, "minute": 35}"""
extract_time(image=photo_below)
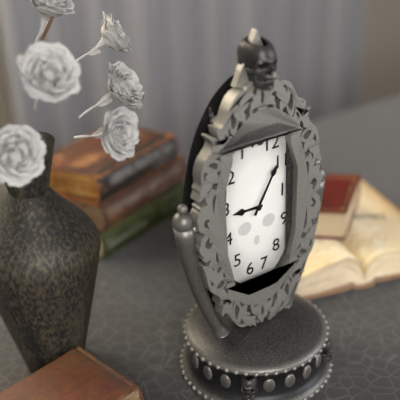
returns {"hour": 9, "minute": 5}
